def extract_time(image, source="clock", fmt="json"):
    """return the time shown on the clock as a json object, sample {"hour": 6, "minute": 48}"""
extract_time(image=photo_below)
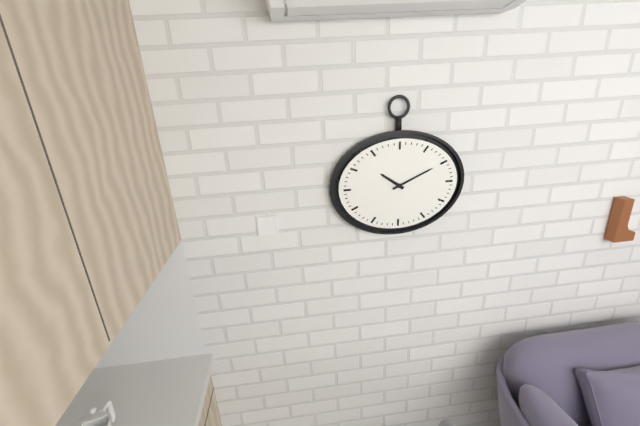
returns {"hour": 10, "minute": 11}
